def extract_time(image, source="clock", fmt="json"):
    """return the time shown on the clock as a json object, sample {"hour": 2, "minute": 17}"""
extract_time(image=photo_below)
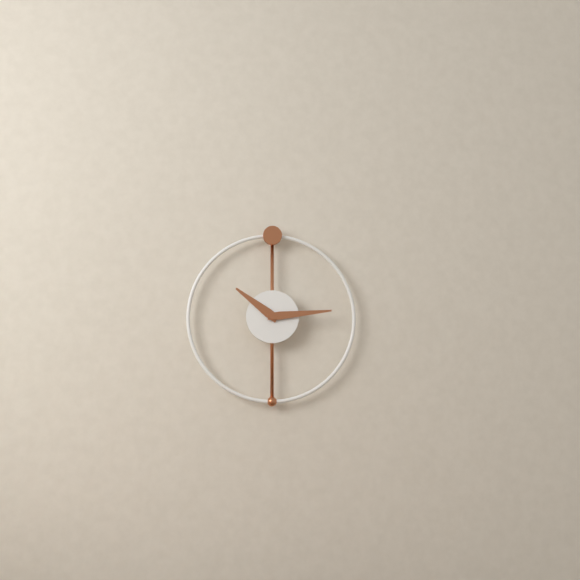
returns {"hour": 10, "minute": 14}
